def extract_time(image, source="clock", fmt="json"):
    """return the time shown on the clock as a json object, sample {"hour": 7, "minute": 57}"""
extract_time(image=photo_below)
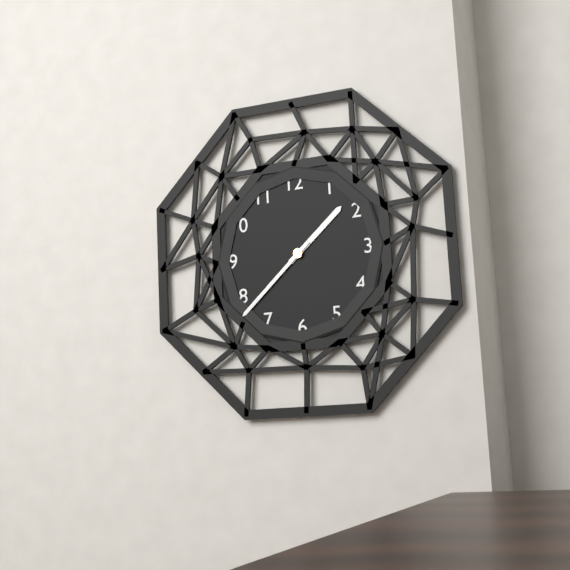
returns {"hour": 1, "minute": 38}
